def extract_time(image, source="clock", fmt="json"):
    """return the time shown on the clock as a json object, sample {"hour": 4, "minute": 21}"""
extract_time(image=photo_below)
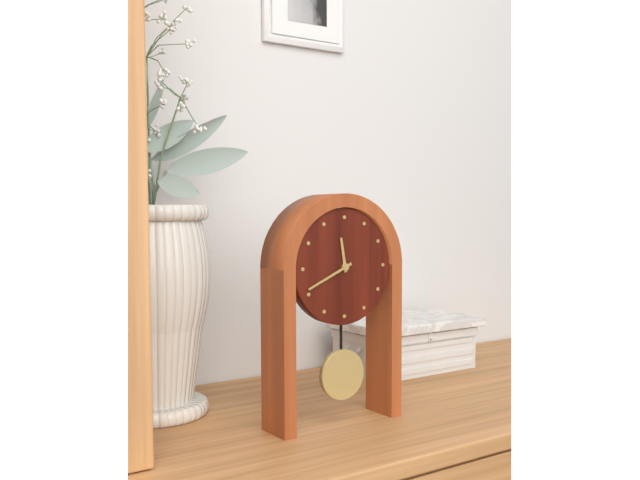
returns {"hour": 11, "minute": 41}
